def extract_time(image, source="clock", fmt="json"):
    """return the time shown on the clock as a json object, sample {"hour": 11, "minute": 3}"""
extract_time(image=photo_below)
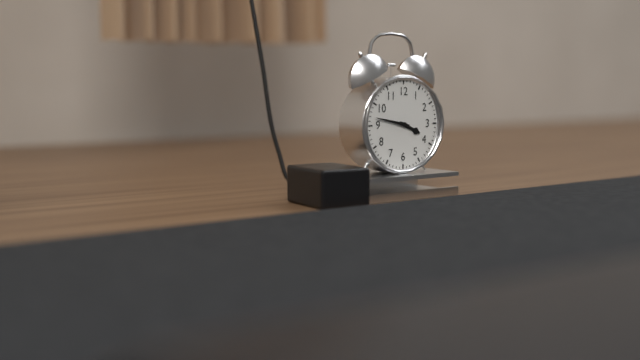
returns {"hour": 3, "minute": 47}
